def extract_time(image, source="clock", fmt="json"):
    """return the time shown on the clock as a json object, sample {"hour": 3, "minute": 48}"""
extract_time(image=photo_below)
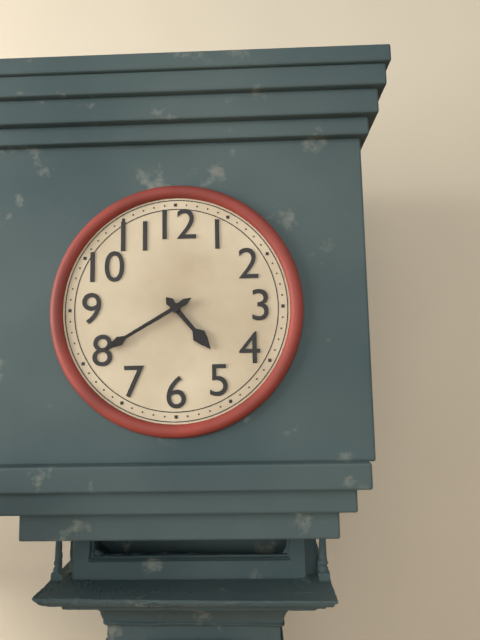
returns {"hour": 4, "minute": 40}
